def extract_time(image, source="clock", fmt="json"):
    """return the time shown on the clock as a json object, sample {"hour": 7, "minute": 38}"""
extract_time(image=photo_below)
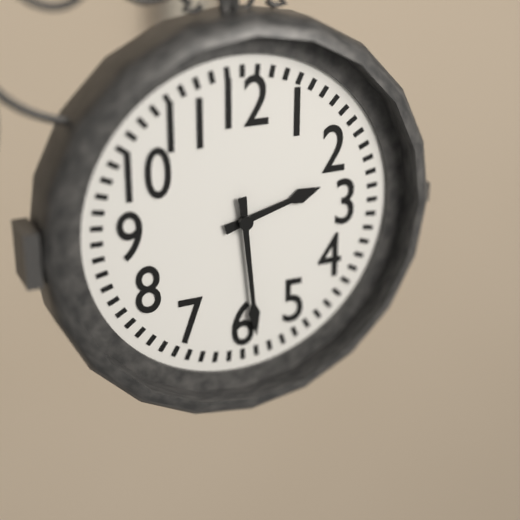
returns {"hour": 2, "minute": 29}
